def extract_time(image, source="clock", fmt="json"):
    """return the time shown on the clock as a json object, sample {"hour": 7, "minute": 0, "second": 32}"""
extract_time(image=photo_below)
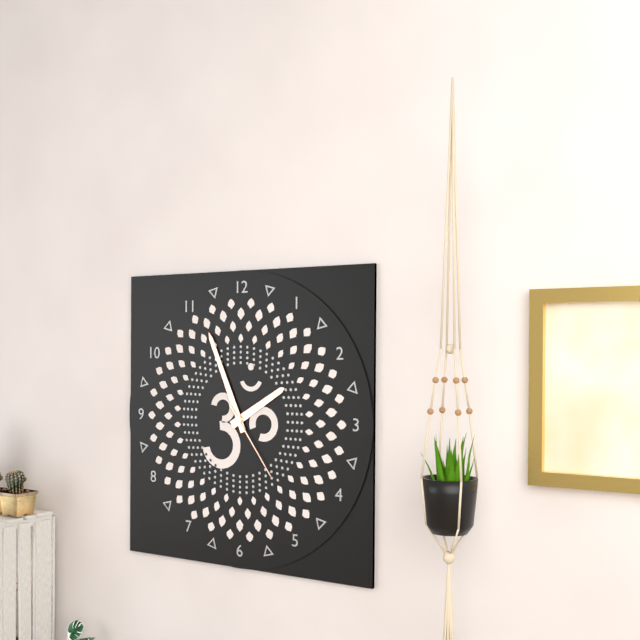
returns {"hour": 1, "minute": 56, "second": 24}
